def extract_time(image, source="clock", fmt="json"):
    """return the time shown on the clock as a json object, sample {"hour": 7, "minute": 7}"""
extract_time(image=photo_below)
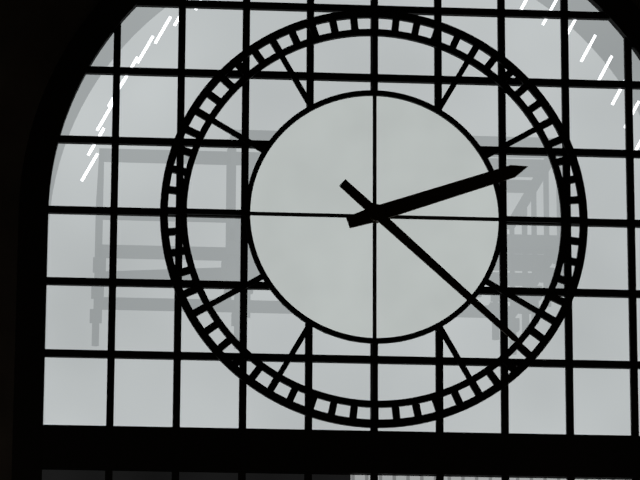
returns {"hour": 2, "minute": 22}
